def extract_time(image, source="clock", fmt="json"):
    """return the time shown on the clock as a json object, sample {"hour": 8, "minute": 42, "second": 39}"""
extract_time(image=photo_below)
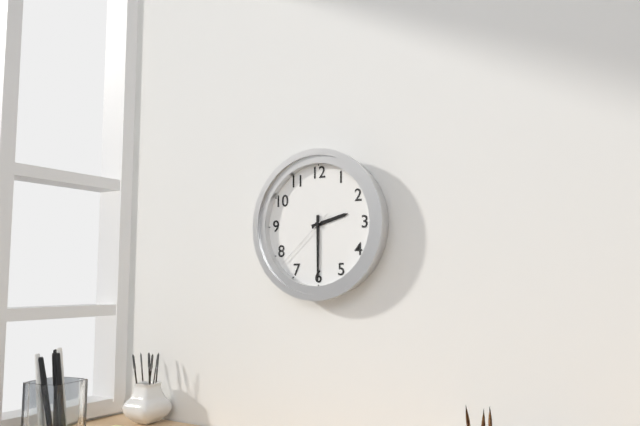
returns {"hour": 2, "minute": 30, "second": 38}
